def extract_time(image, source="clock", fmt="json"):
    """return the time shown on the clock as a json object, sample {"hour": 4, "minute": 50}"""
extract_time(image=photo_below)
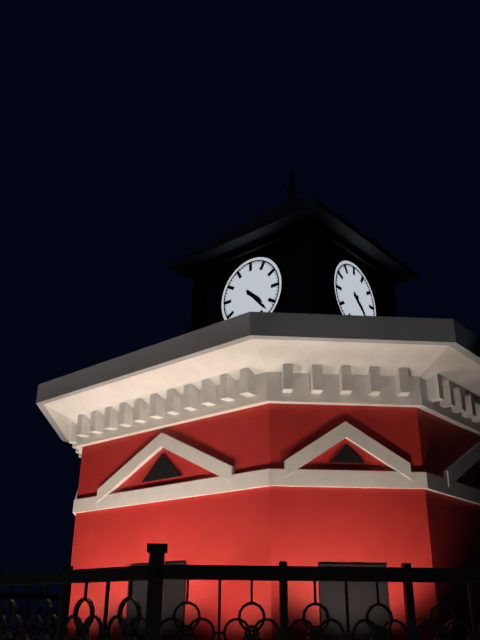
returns {"hour": 4, "minute": 23}
